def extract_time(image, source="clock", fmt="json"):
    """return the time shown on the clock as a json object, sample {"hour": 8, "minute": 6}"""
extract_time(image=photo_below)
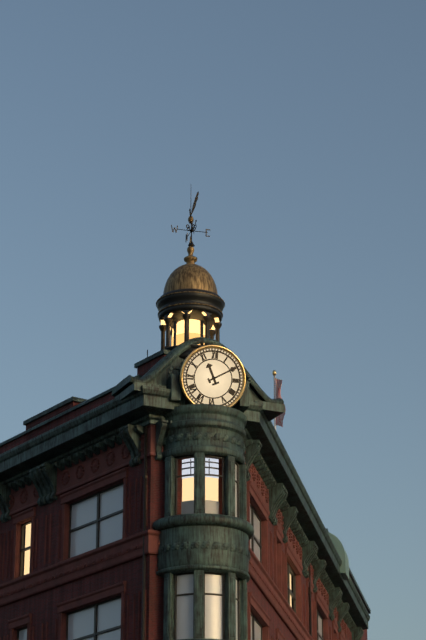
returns {"hour": 11, "minute": 10}
